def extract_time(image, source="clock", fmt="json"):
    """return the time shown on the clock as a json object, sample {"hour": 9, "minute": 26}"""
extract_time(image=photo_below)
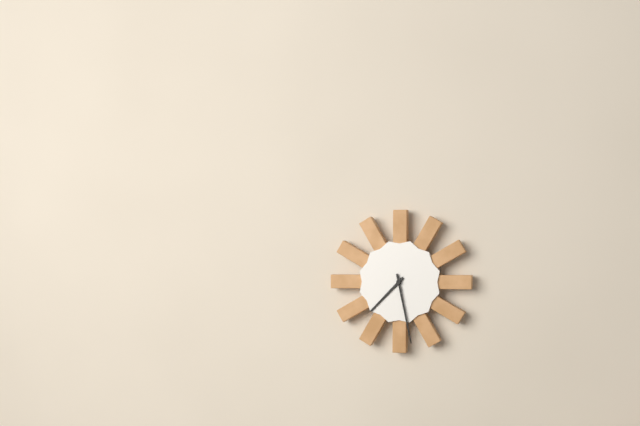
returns {"hour": 7, "minute": 28}
